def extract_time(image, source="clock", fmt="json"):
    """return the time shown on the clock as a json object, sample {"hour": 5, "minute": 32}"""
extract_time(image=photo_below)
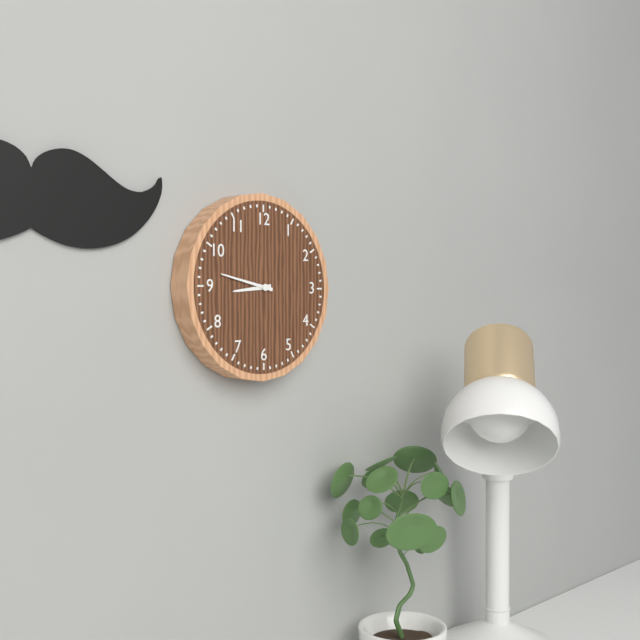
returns {"hour": 8, "minute": 47}
